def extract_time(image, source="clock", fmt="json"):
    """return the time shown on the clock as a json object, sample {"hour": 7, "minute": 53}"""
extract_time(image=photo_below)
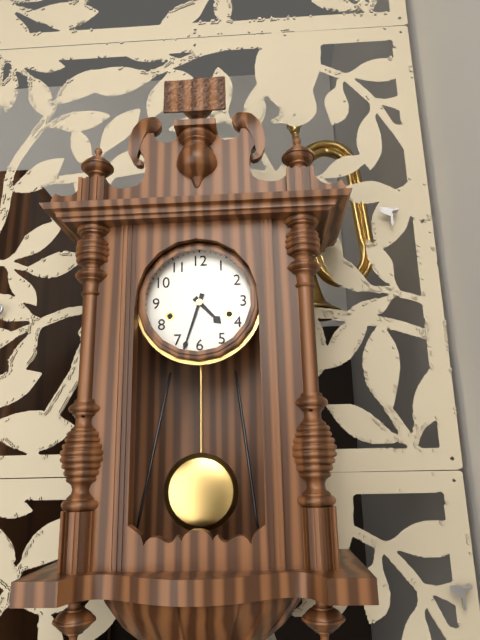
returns {"hour": 4, "minute": 33}
